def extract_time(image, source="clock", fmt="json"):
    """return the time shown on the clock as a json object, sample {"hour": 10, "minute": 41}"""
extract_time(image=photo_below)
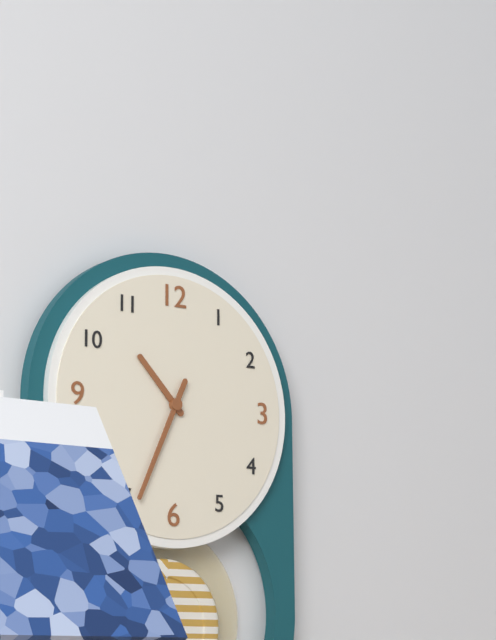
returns {"hour": 10, "minute": 34}
